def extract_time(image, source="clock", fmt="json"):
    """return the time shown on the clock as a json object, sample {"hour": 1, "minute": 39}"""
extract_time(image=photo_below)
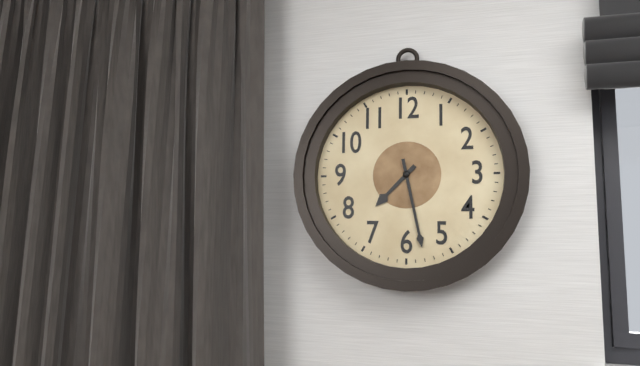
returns {"hour": 7, "minute": 28}
